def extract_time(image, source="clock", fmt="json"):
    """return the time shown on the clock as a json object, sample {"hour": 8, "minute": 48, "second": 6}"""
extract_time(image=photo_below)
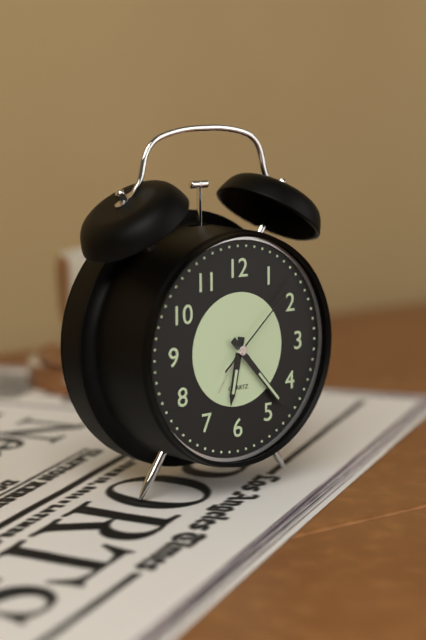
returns {"hour": 6, "minute": 23, "second": 8}
